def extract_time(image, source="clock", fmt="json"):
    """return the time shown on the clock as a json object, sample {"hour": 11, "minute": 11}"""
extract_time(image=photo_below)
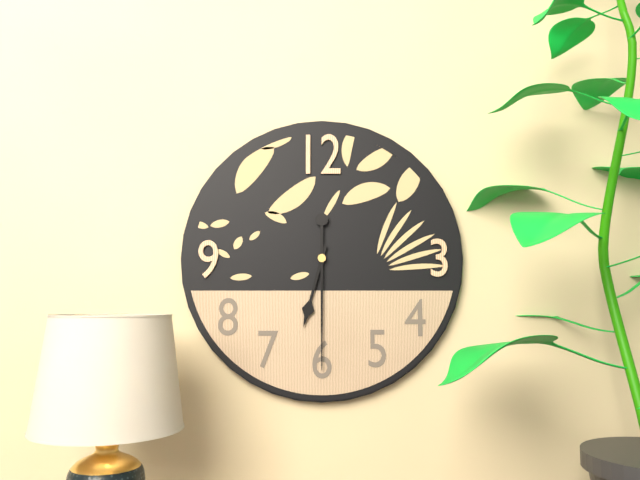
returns {"hour": 6, "minute": 30}
